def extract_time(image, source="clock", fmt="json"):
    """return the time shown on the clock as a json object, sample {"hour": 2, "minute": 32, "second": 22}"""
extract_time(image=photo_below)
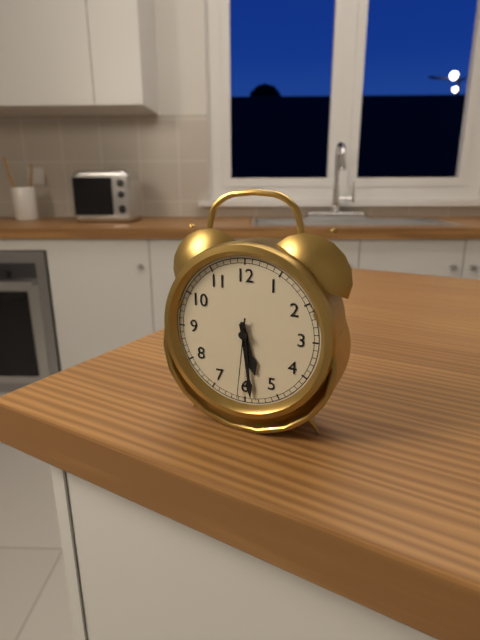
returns {"hour": 5, "minute": 29, "second": 31}
